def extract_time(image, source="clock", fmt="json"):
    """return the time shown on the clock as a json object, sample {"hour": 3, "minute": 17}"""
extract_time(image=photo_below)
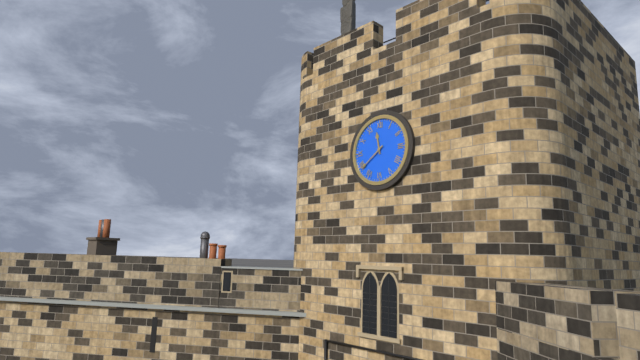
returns {"hour": 11, "minute": 39}
